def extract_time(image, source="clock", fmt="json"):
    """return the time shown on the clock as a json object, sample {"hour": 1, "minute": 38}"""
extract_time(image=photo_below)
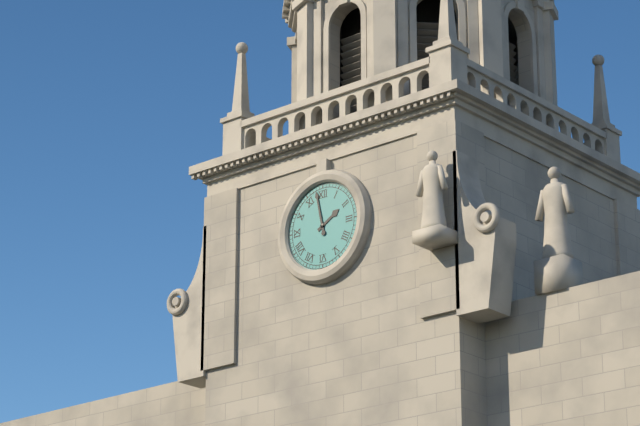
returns {"hour": 1, "minute": 58}
